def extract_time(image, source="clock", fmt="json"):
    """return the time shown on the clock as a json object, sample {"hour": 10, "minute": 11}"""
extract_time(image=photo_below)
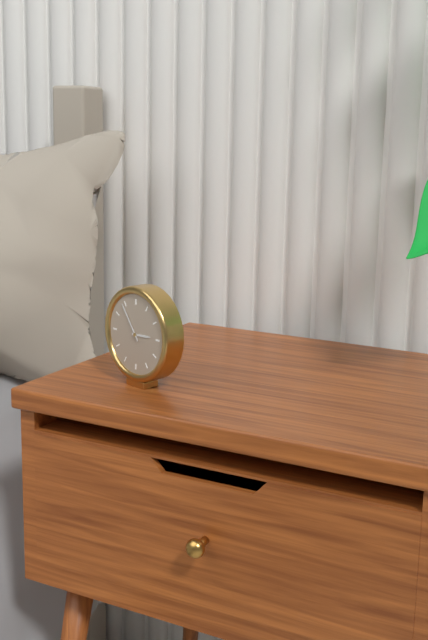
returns {"hour": 2, "minute": 54}
